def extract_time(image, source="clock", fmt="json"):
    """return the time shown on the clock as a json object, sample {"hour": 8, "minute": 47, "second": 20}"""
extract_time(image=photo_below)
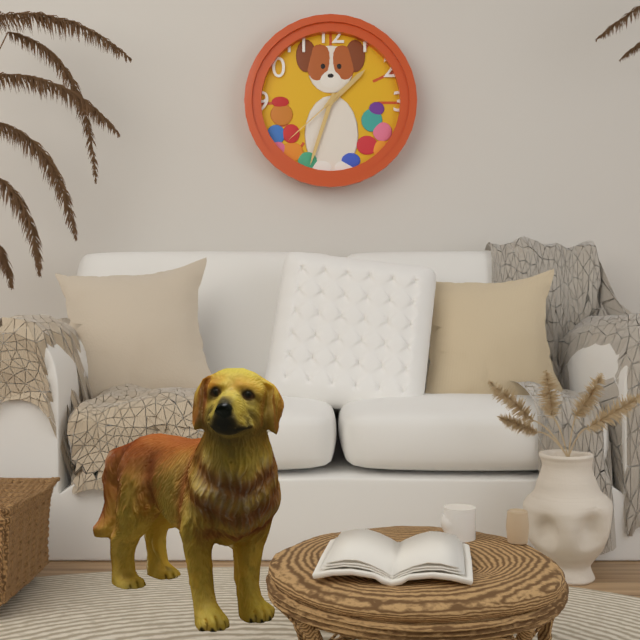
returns {"hour": 1, "minute": 33, "second": 38}
